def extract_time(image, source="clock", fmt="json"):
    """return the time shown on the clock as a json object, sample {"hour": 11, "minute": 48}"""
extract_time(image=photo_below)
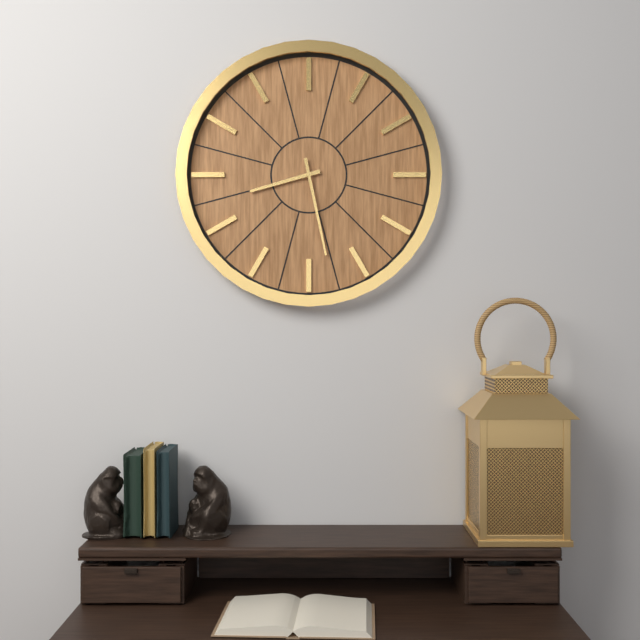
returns {"hour": 8, "minute": 28}
